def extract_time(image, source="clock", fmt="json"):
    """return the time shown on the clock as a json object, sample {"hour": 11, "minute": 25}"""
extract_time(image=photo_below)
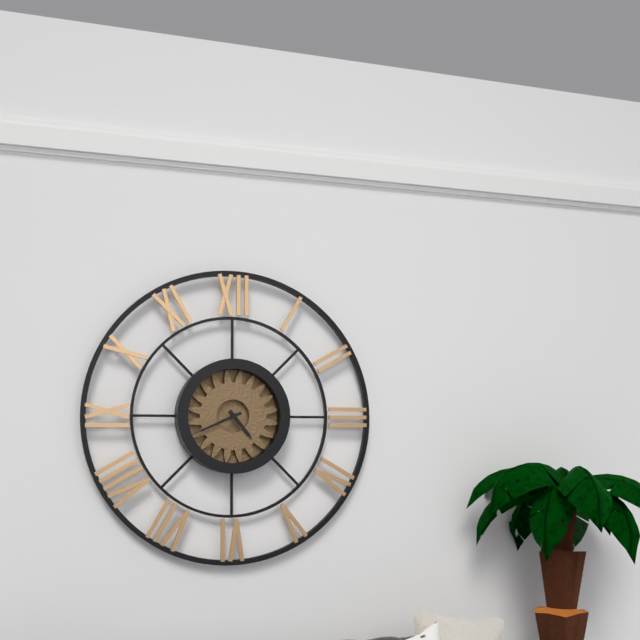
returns {"hour": 4, "minute": 41}
